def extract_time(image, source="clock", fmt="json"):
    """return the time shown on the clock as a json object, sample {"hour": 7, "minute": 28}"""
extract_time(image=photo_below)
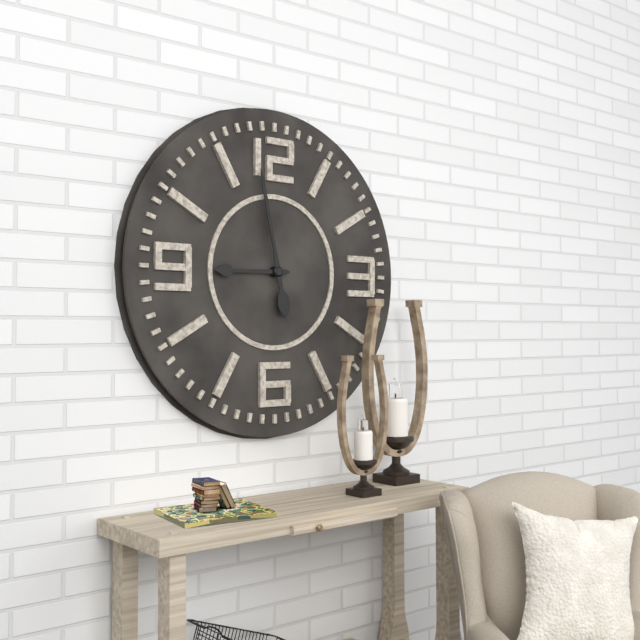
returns {"hour": 8, "minute": 58}
